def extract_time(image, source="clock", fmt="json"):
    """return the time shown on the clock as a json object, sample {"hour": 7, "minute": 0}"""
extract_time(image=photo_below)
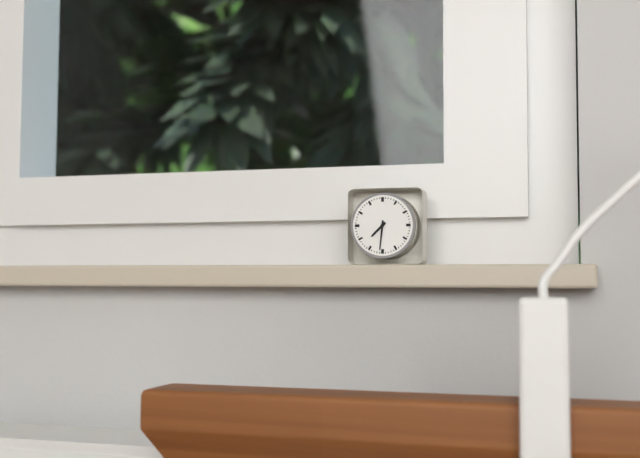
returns {"hour": 7, "minute": 31}
